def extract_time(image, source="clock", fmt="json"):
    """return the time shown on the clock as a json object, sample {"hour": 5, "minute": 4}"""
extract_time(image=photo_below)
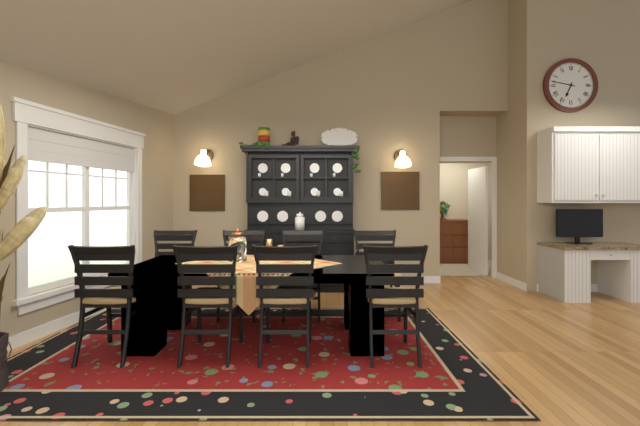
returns {"hour": 6, "minute": 47}
